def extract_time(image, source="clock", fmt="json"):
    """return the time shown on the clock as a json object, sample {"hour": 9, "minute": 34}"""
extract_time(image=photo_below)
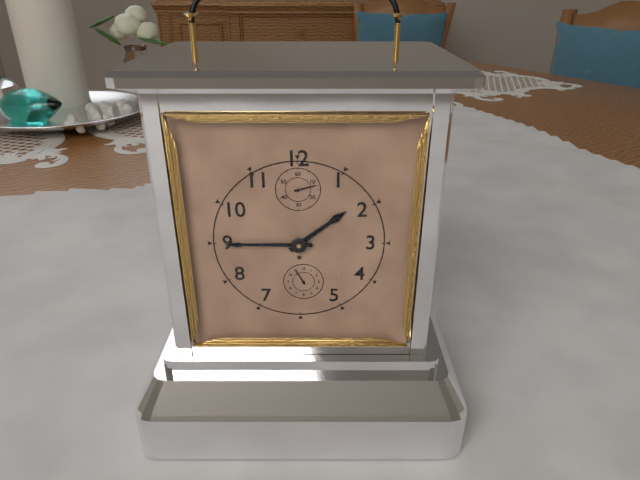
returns {"hour": 1, "minute": 45}
